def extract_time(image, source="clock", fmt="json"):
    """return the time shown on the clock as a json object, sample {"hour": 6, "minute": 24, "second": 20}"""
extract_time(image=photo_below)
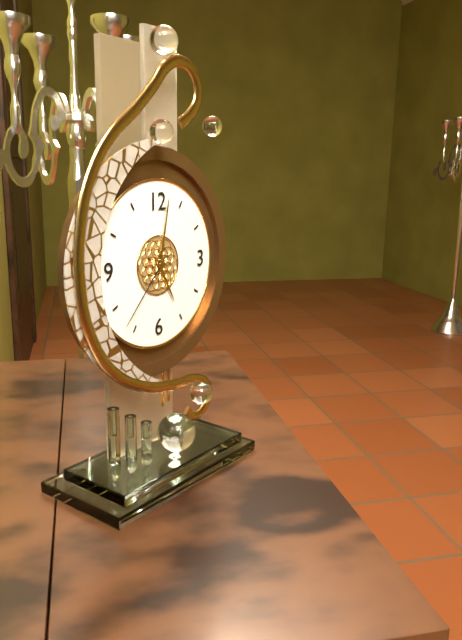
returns {"hour": 5, "minute": 2, "second": 37}
